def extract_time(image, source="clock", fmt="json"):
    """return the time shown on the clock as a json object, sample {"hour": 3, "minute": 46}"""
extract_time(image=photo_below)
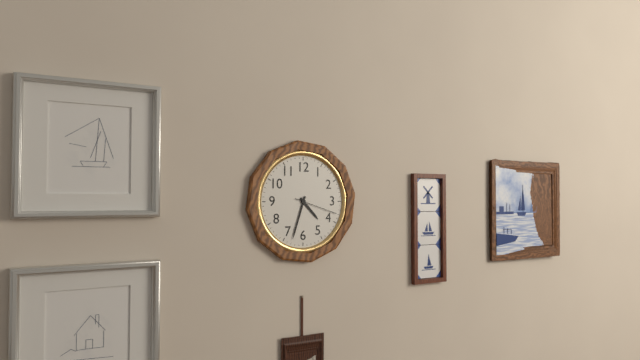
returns {"hour": 4, "minute": 33}
